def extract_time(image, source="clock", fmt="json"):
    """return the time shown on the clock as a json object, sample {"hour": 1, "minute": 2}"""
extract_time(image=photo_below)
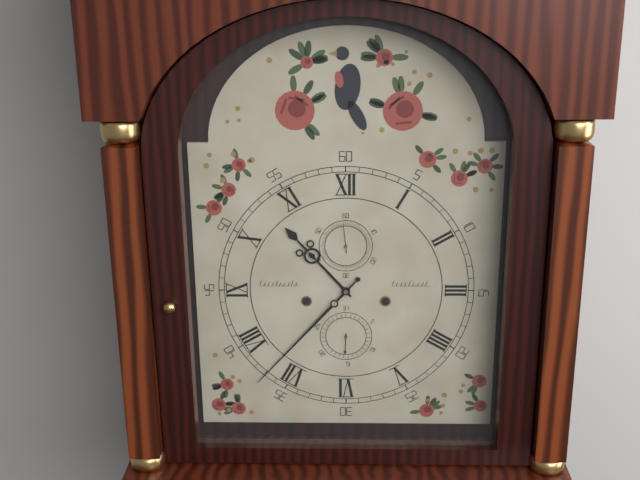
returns {"hour": 10, "minute": 37}
